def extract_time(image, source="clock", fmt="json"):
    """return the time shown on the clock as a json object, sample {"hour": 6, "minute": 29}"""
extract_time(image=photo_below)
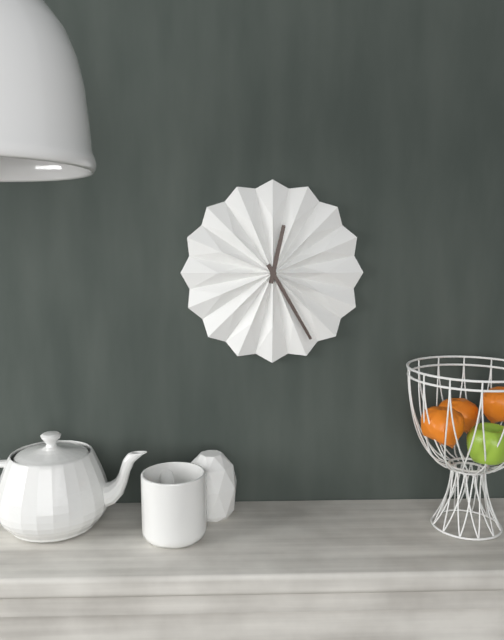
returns {"hour": 12, "minute": 25}
